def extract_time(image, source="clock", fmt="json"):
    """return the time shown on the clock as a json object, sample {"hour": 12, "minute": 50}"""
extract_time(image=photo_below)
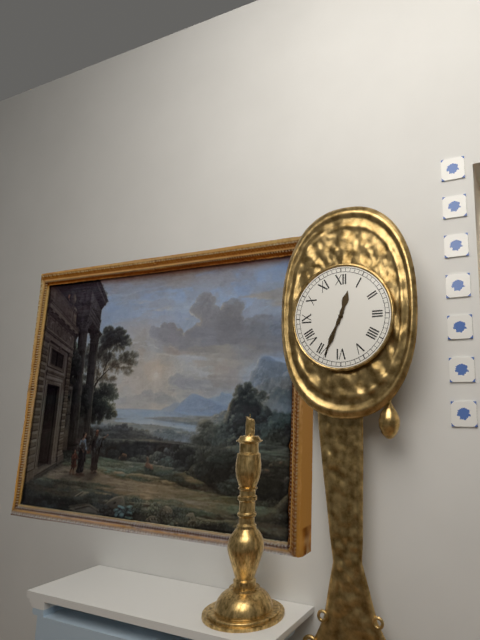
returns {"hour": 12, "minute": 34}
